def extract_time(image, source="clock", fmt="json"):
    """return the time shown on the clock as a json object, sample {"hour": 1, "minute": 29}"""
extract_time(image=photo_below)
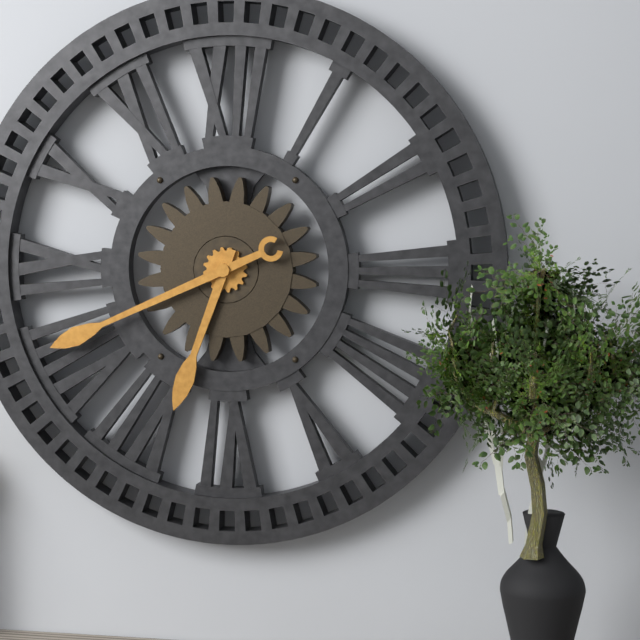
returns {"hour": 6, "minute": 41}
